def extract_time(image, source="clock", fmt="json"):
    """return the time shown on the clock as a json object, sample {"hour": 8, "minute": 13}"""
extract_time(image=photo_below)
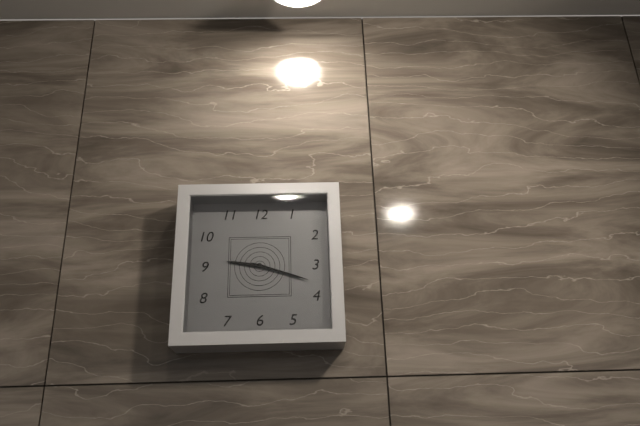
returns {"hour": 9, "minute": 18}
